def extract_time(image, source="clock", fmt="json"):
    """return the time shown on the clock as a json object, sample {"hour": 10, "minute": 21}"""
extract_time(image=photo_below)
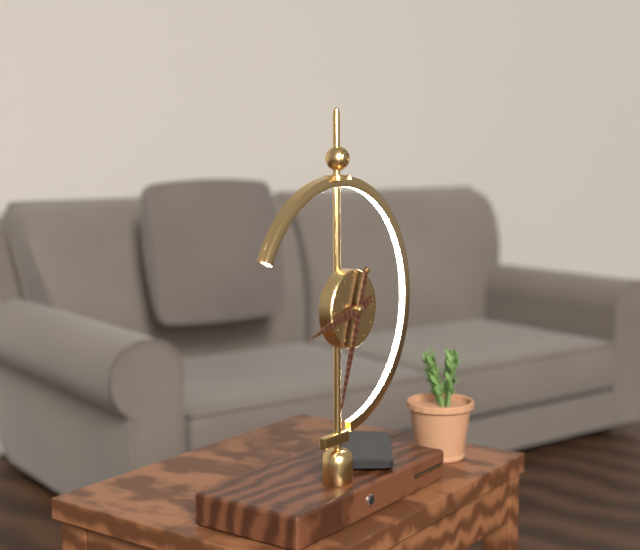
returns {"hour": 8, "minute": 33}
